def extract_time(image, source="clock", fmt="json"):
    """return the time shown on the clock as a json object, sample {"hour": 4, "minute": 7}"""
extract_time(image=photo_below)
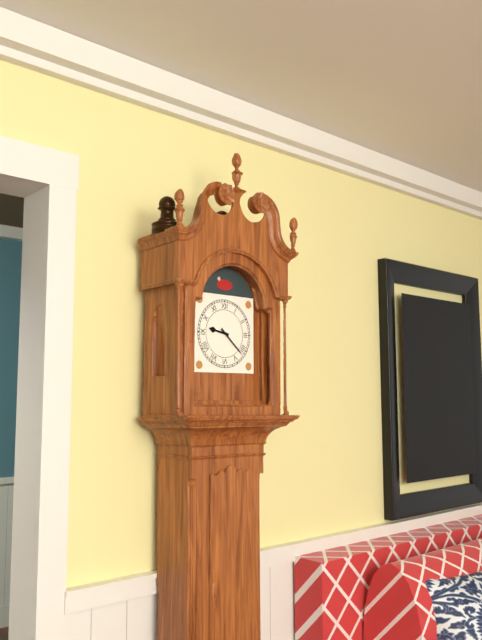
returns {"hour": 9, "minute": 22}
